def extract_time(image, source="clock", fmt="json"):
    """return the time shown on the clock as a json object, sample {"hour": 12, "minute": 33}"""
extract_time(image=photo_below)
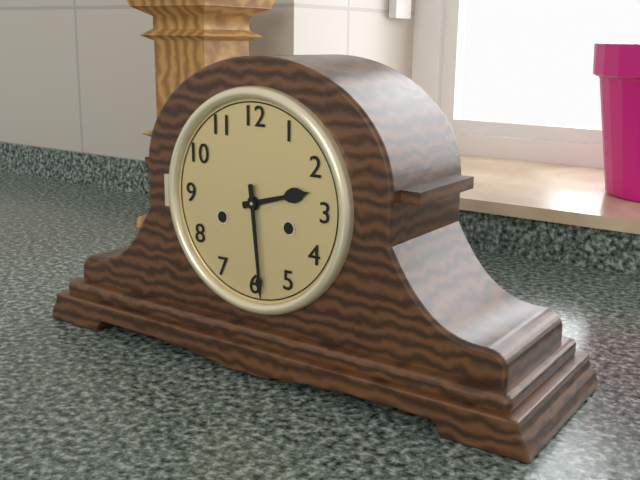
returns {"hour": 2, "minute": 29}
